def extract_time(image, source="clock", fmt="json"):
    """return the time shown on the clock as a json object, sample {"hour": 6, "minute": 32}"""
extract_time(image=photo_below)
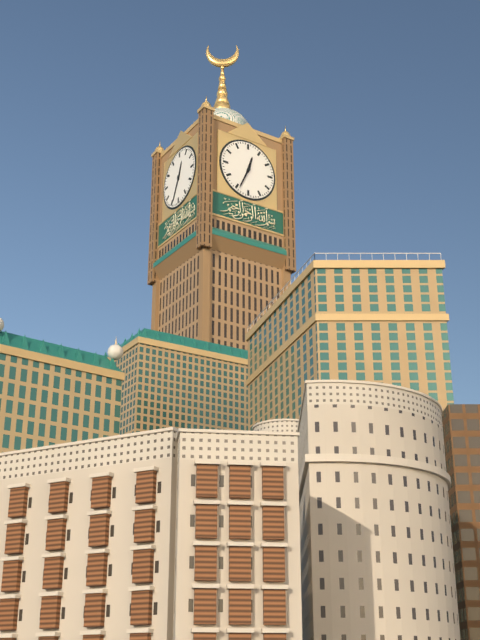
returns {"hour": 12, "minute": 34}
